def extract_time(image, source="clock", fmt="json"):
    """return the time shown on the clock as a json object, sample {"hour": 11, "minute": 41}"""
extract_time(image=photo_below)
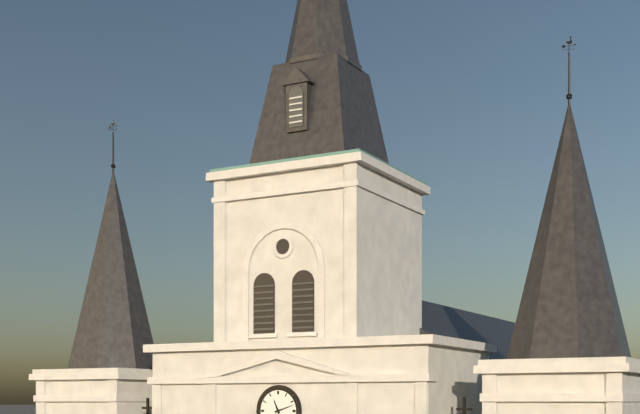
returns {"hour": 11, "minute": 12}
